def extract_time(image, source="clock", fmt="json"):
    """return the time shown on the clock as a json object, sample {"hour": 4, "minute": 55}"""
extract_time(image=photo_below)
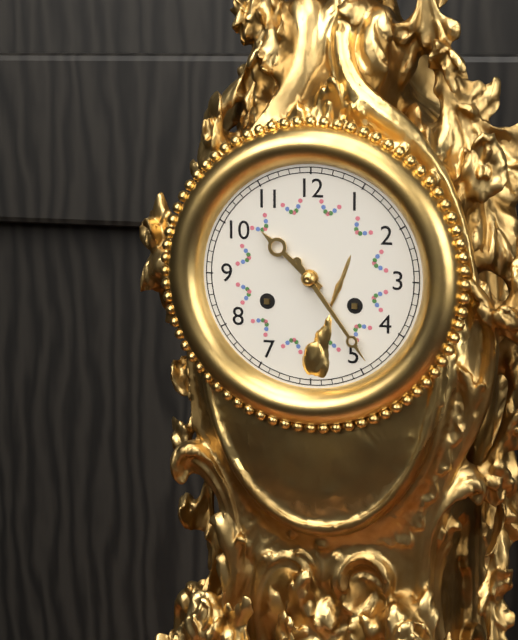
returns {"hour": 10, "minute": 24}
